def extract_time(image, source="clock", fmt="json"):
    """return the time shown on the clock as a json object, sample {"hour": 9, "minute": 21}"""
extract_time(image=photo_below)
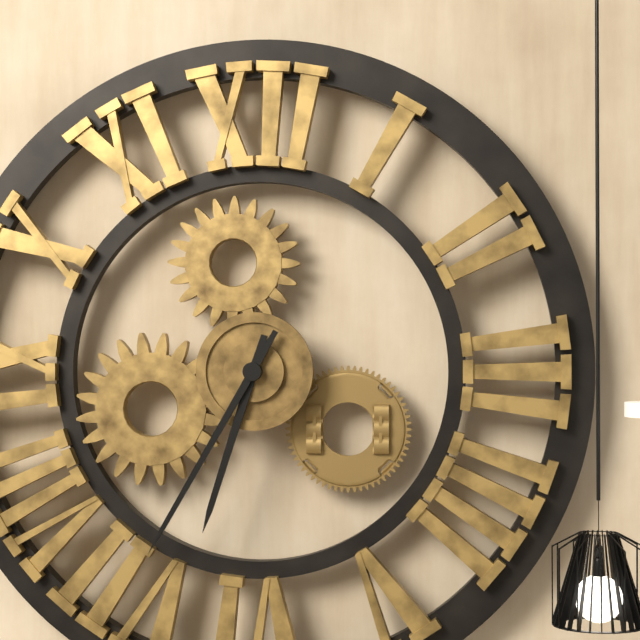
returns {"hour": 6, "minute": 35}
